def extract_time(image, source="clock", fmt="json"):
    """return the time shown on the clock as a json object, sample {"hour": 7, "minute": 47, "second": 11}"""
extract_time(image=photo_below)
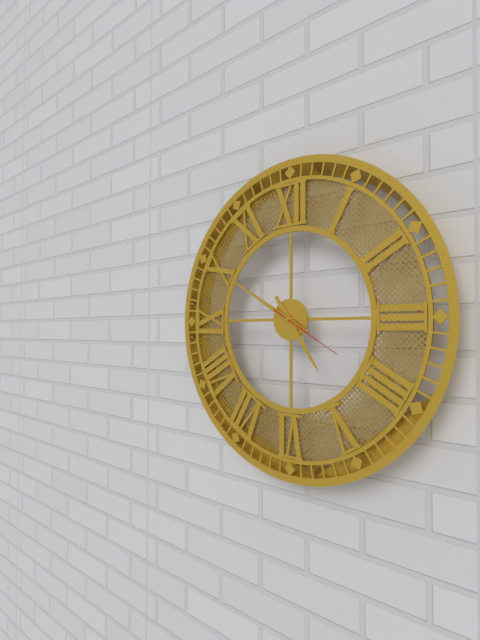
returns {"hour": 4, "minute": 50, "second": 20}
